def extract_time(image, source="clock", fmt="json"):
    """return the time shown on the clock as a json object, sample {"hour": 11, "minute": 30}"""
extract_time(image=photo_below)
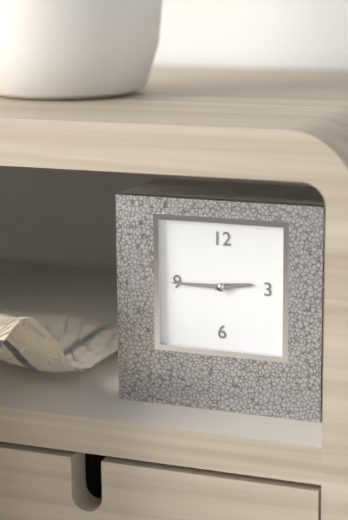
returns {"hour": 2, "minute": 45}
